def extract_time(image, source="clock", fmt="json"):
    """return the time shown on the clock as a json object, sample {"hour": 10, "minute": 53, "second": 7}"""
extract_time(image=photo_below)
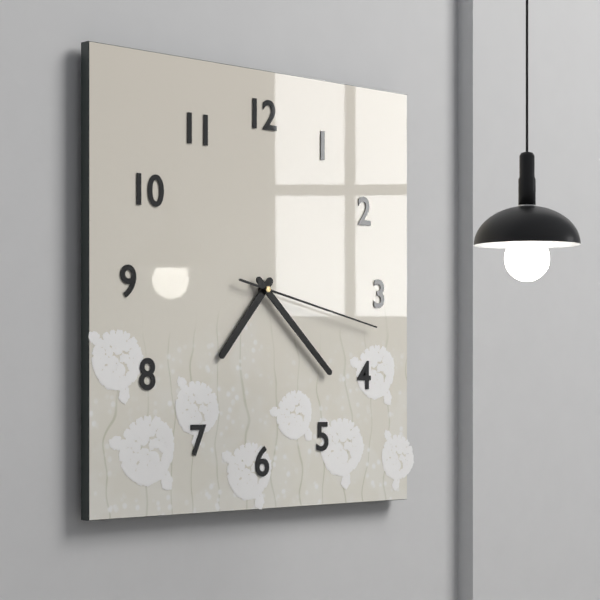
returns {"hour": 7, "minute": 22, "second": 17}
